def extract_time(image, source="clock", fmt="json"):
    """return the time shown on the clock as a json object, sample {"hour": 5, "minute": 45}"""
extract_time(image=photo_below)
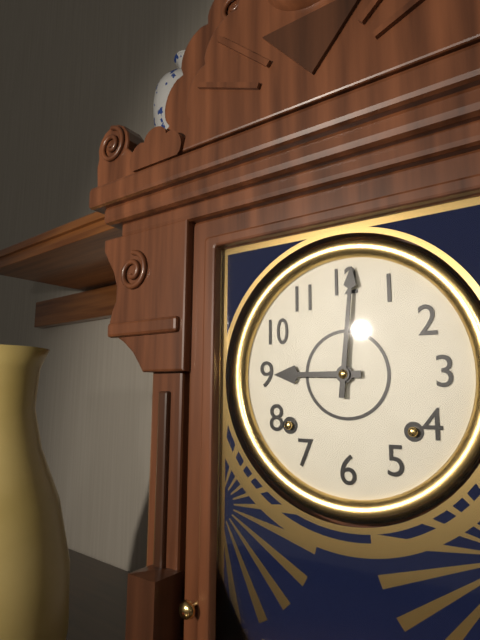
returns {"hour": 9, "minute": 1}
